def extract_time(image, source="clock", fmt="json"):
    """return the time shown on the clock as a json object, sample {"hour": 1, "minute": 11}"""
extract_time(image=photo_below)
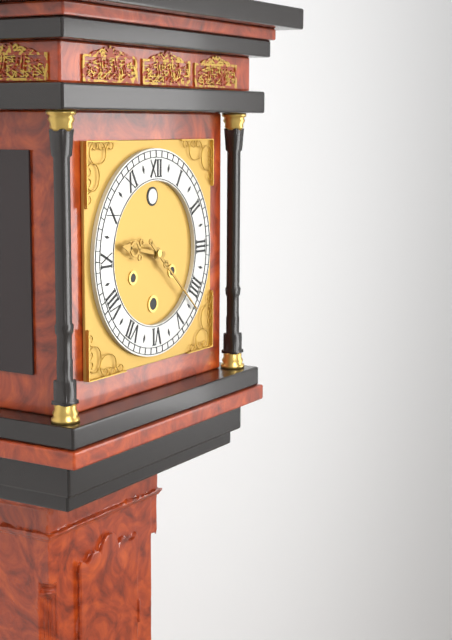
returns {"hour": 9, "minute": 22}
